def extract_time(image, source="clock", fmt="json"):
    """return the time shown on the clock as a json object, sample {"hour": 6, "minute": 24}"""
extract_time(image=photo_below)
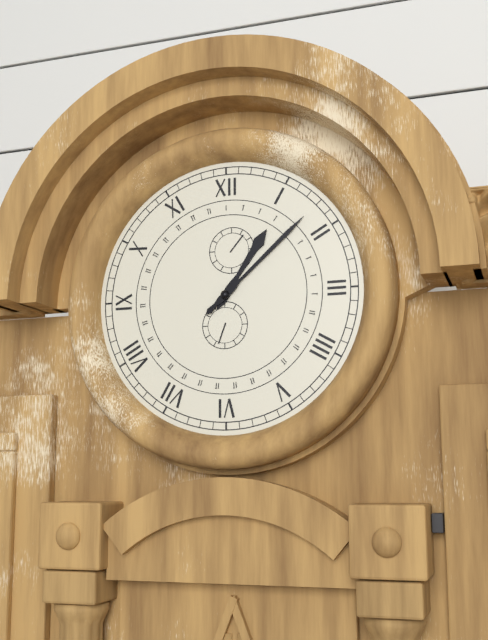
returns {"hour": 1, "minute": 8}
